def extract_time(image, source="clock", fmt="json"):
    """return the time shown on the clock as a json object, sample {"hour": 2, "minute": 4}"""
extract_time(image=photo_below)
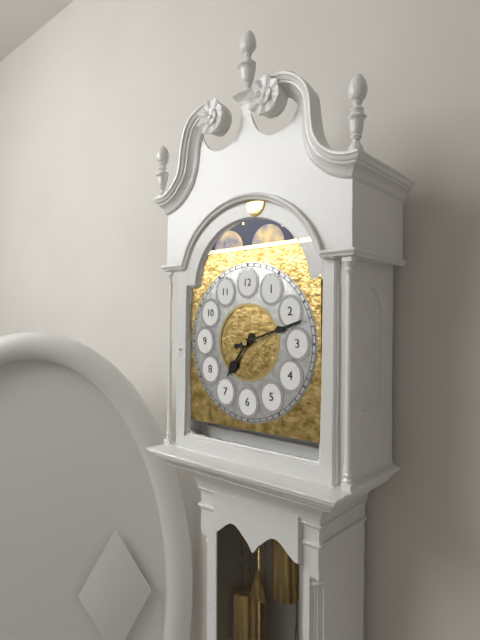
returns {"hour": 7, "minute": 12}
